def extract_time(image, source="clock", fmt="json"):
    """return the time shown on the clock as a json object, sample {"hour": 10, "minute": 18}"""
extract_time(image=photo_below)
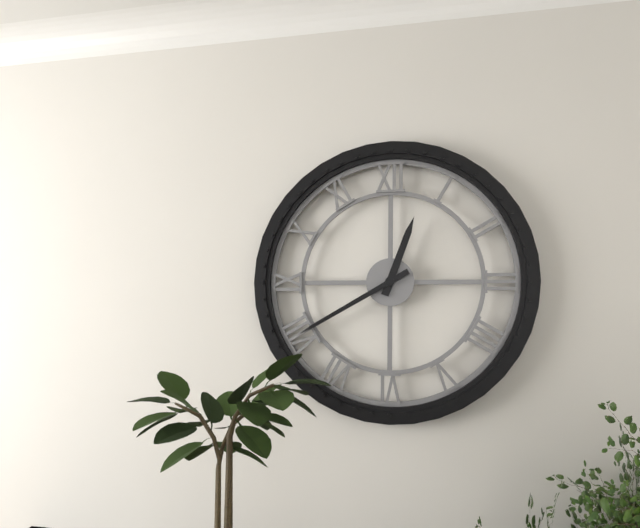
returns {"hour": 12, "minute": 40}
